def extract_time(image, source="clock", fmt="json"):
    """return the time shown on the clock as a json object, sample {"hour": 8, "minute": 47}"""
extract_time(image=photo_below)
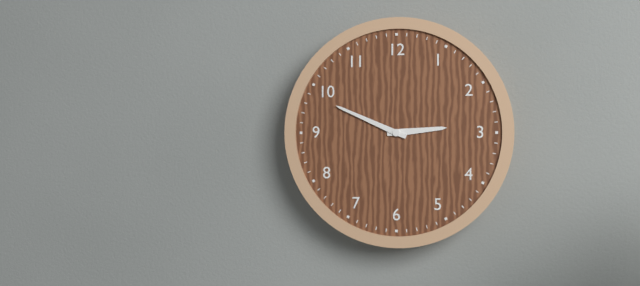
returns {"hour": 2, "minute": 49}
